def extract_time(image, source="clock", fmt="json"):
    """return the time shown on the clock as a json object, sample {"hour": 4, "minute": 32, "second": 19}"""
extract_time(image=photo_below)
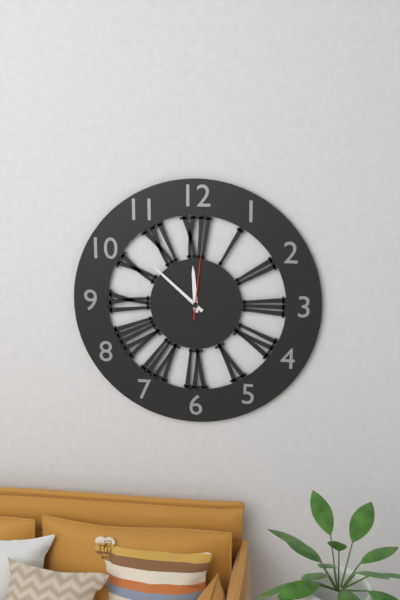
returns {"hour": 11, "minute": 52, "second": 1}
